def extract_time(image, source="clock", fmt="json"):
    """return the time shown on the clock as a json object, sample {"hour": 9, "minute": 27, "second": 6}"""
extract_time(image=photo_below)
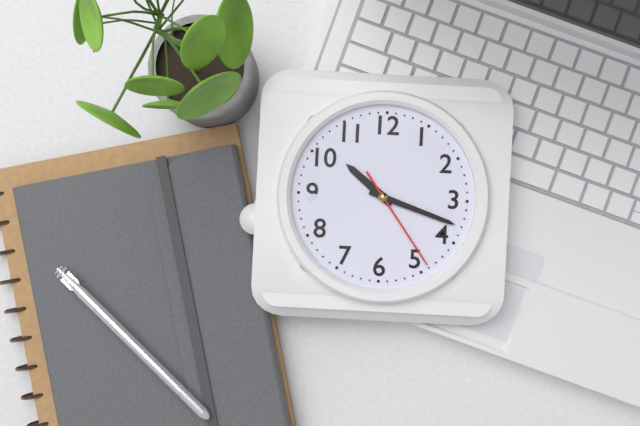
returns {"hour": 10, "minute": 18, "second": 24}
